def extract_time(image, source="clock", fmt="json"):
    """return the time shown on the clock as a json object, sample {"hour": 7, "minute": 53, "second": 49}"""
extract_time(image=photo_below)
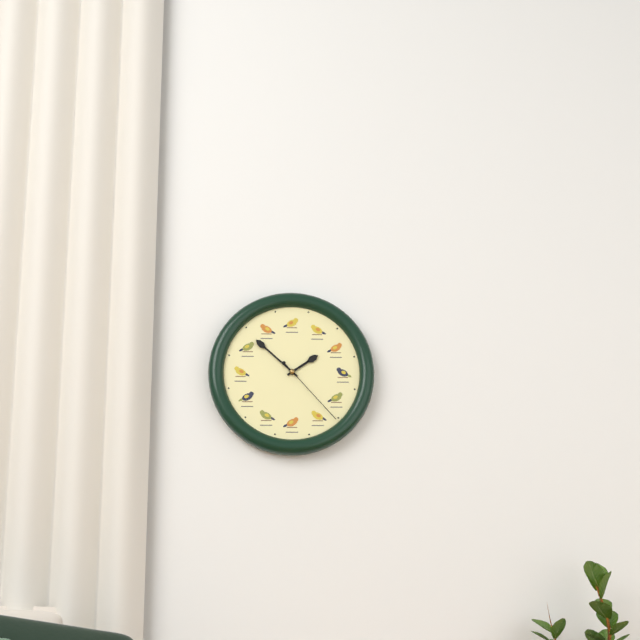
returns {"hour": 1, "minute": 52, "second": 23}
